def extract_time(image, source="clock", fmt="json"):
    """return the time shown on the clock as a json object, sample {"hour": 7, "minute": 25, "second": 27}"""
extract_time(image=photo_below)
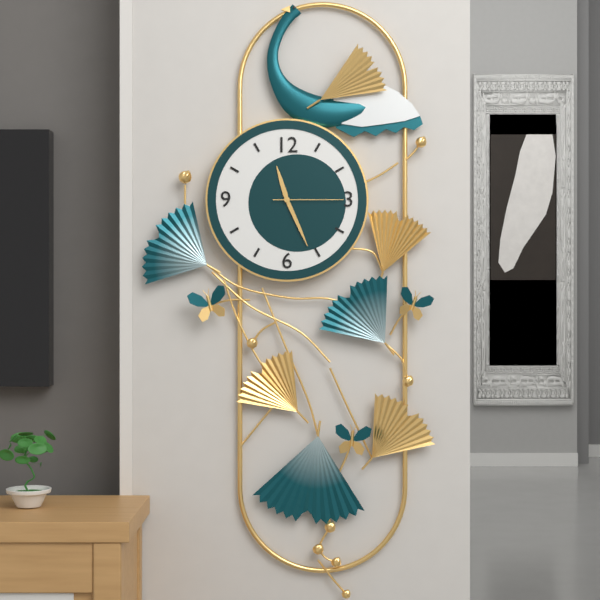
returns {"hour": 11, "minute": 26, "second": 15}
